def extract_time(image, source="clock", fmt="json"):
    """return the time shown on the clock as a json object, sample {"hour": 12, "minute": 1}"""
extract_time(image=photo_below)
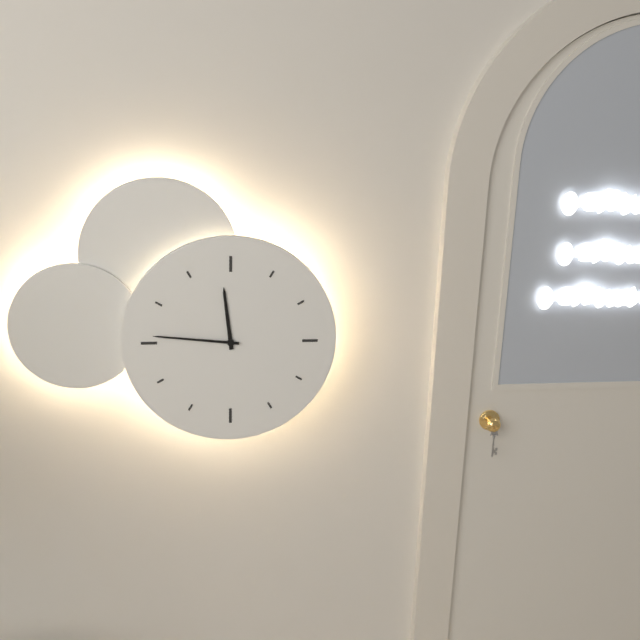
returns {"hour": 11, "minute": 46}
